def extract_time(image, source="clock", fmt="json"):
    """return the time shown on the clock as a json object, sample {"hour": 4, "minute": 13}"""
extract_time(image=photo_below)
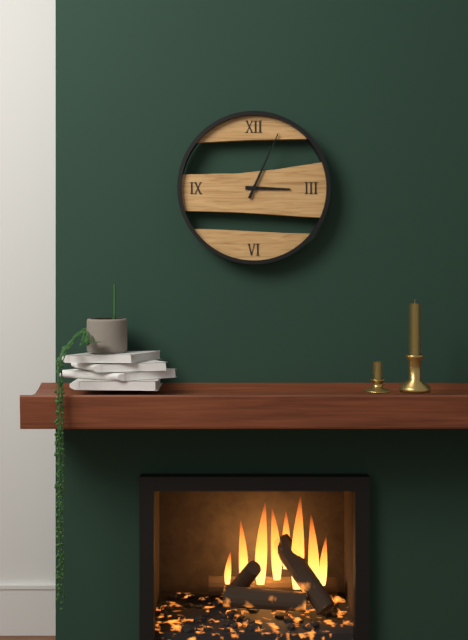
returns {"hour": 3, "minute": 4}
